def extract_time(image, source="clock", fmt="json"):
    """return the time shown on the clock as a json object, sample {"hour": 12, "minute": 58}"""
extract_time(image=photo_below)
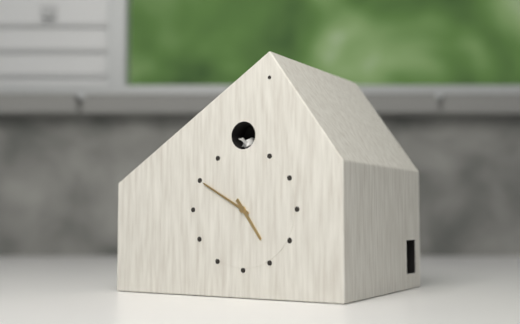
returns {"hour": 4, "minute": 50}
